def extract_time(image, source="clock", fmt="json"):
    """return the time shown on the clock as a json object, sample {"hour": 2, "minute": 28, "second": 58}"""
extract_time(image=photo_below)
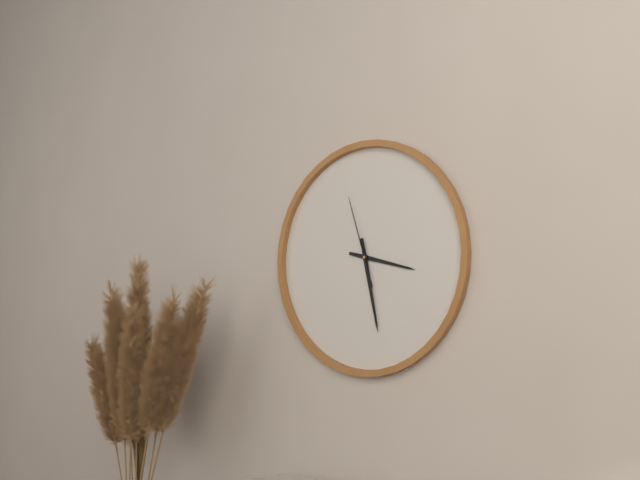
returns {"hour": 3, "minute": 28, "second": 57}
